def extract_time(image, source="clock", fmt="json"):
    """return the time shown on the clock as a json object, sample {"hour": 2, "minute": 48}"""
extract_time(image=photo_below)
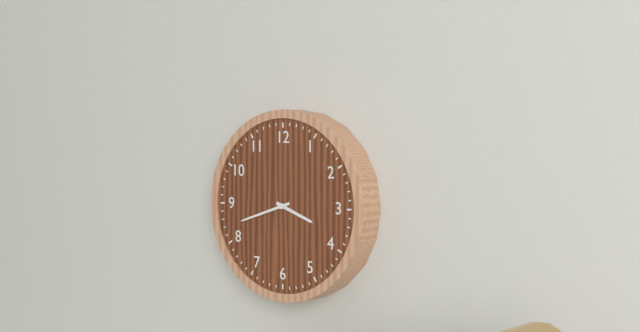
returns {"hour": 3, "minute": 42}
